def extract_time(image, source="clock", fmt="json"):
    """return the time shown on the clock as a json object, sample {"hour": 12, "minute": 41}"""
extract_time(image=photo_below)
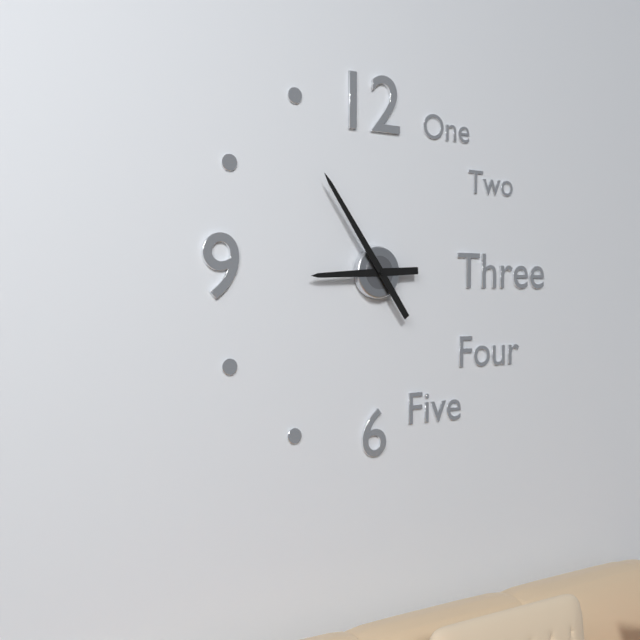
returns {"hour": 8, "minute": 54}
